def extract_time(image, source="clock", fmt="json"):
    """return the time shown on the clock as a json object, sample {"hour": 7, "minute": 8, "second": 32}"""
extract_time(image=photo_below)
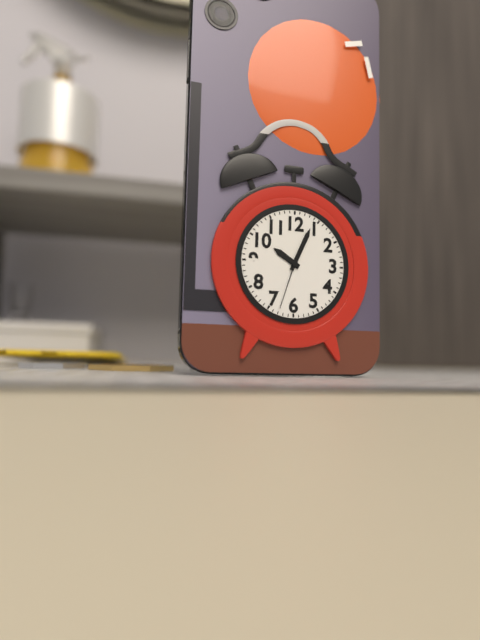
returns {"hour": 10, "minute": 4, "second": 33}
